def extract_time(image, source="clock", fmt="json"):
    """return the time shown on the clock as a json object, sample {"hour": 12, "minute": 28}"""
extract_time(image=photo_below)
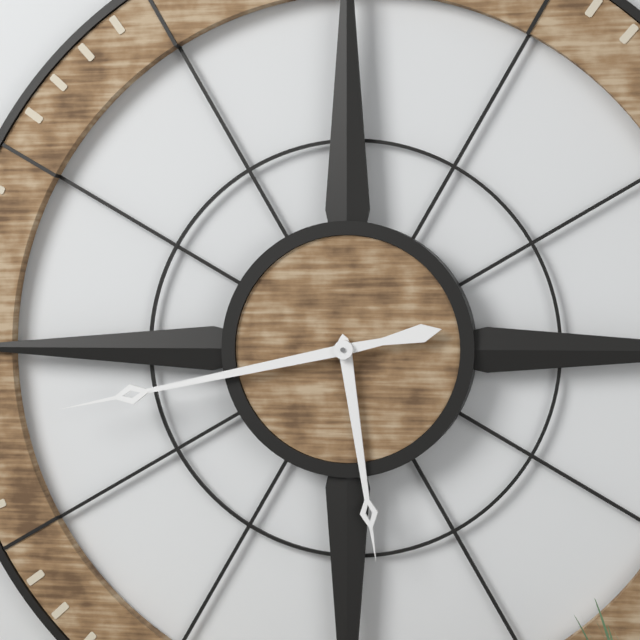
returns {"hour": 5, "minute": 43}
